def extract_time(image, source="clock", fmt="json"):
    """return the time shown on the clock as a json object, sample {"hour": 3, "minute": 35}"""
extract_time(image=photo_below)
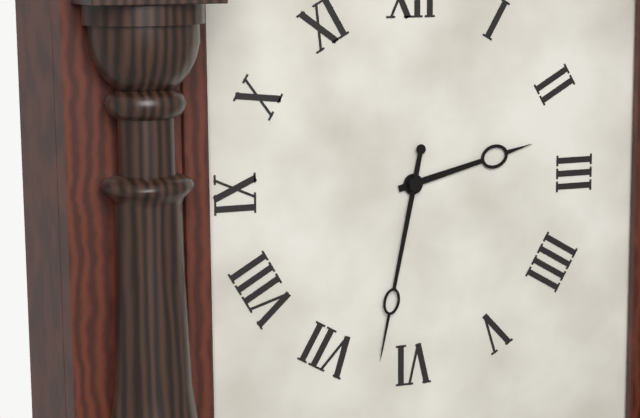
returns {"hour": 2, "minute": 32}
